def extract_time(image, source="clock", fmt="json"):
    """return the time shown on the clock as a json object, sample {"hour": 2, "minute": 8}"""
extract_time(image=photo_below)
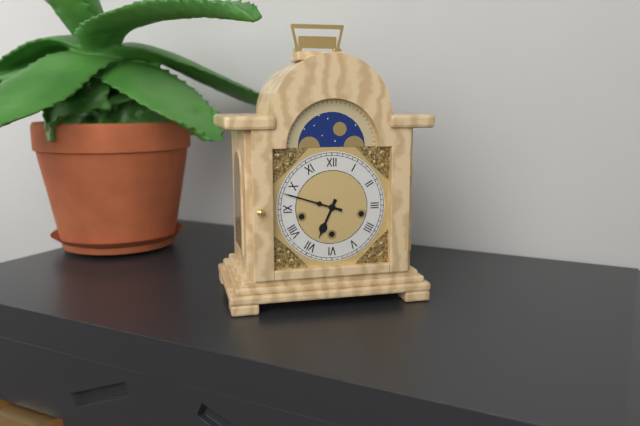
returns {"hour": 6, "minute": 48}
